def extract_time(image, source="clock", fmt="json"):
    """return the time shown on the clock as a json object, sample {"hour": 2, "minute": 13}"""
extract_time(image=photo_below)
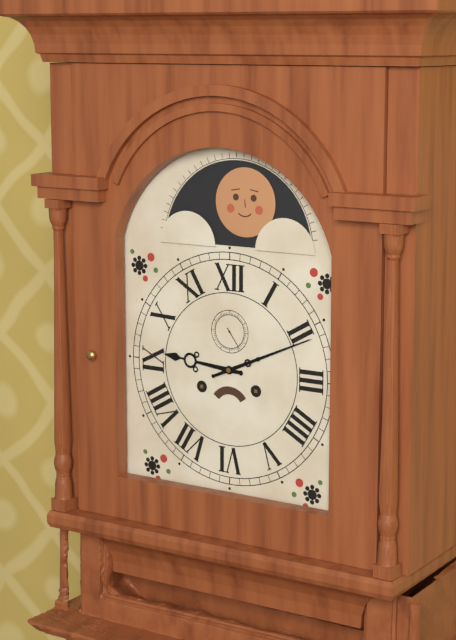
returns {"hour": 9, "minute": 11}
